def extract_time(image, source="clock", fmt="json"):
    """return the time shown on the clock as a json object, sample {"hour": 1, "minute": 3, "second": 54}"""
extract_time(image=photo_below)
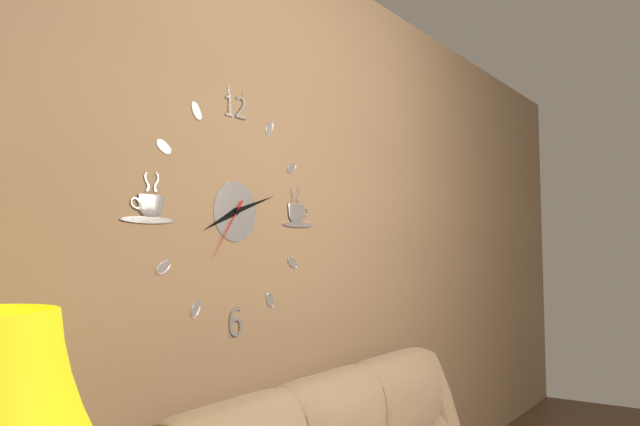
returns {"hour": 8, "minute": 12, "second": 36}
